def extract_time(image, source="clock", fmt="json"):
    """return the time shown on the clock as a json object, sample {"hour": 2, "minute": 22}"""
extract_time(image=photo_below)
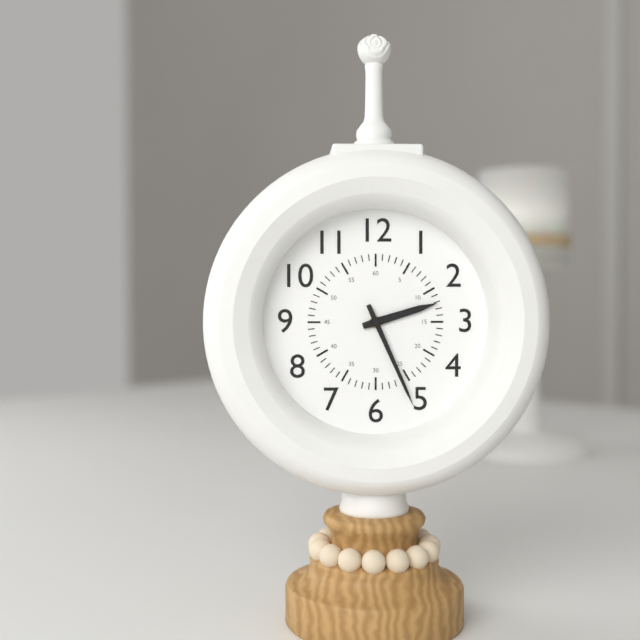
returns {"hour": 2, "minute": 26}
